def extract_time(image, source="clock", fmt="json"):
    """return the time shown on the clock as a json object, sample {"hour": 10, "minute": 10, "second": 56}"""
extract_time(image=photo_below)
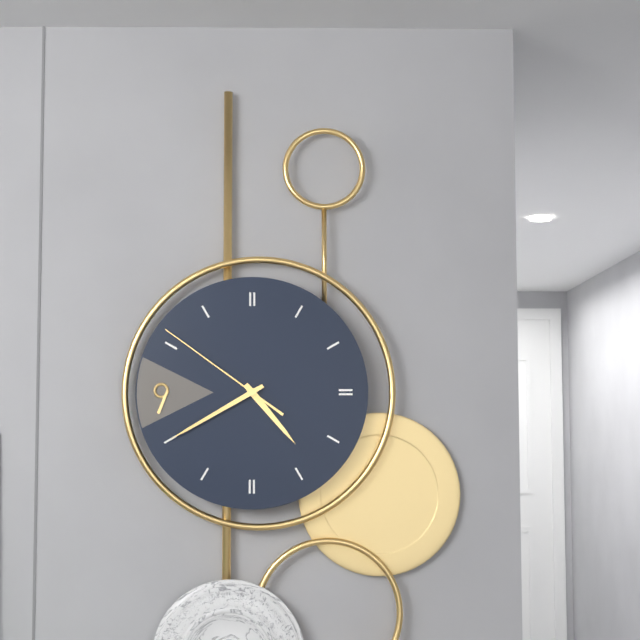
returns {"hour": 4, "minute": 40, "second": 51}
